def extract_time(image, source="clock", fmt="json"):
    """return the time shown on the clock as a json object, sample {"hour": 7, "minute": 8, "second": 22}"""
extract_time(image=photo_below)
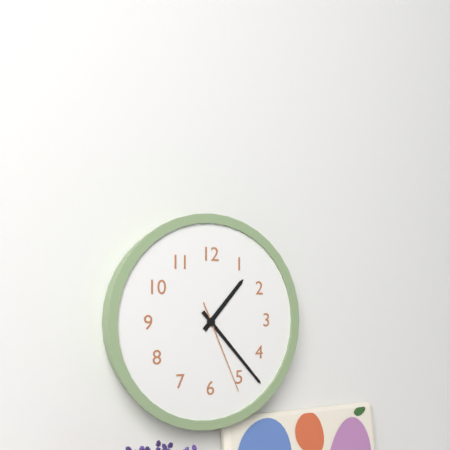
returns {"hour": 1, "minute": 23, "second": 26}
